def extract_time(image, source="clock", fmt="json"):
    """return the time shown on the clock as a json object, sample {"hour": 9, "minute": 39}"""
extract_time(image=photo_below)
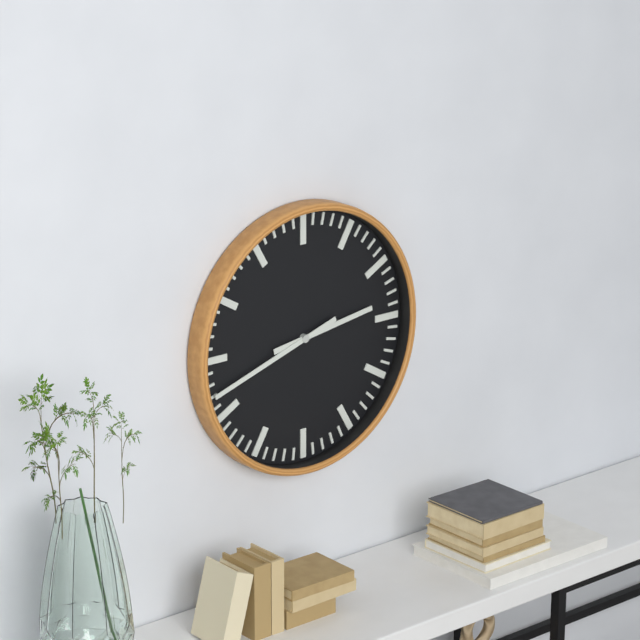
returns {"hour": 2, "minute": 42}
